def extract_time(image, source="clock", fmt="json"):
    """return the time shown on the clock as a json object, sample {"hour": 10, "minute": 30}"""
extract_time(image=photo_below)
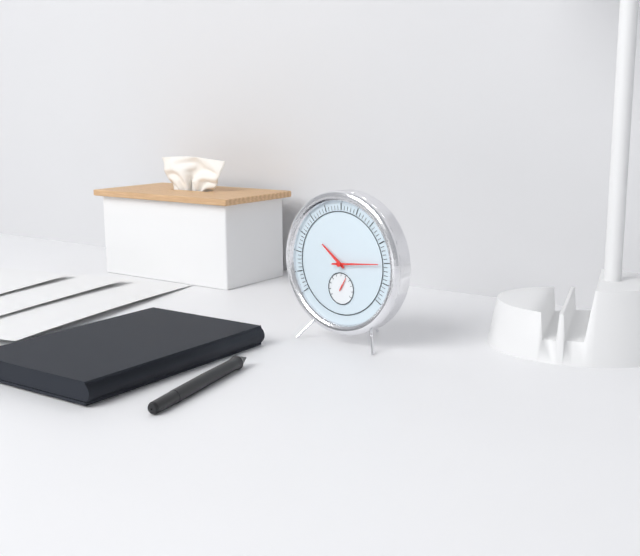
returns {"hour": 10, "minute": 14}
